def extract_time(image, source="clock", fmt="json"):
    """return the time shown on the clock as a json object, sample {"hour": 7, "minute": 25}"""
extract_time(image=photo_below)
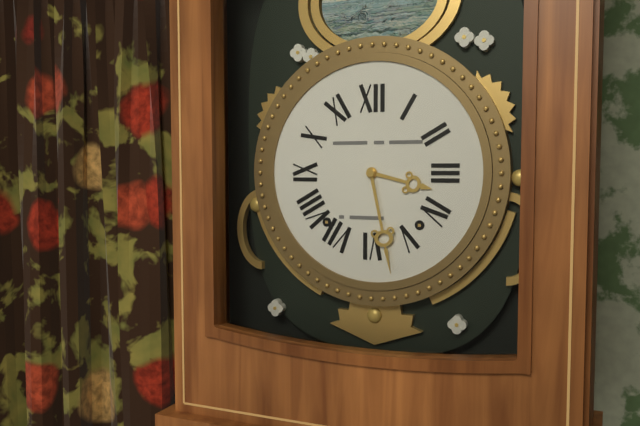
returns {"hour": 3, "minute": 28}
